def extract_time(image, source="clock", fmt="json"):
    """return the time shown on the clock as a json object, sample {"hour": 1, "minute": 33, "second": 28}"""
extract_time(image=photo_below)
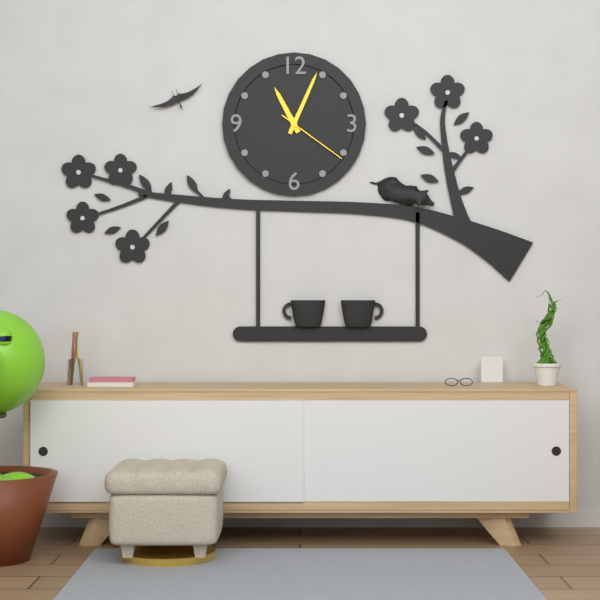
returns {"hour": 11, "minute": 4, "second": 21}
